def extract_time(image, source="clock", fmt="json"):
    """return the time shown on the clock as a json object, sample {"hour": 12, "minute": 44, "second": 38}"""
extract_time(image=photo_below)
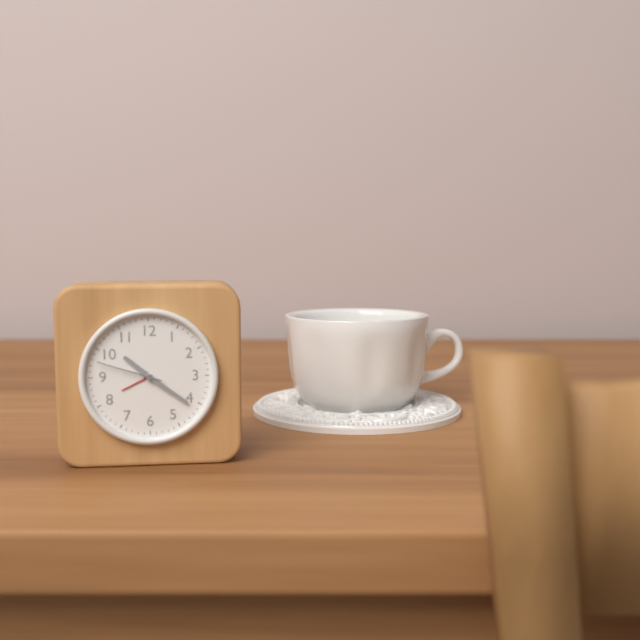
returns {"hour": 10, "minute": 21, "second": 48}
